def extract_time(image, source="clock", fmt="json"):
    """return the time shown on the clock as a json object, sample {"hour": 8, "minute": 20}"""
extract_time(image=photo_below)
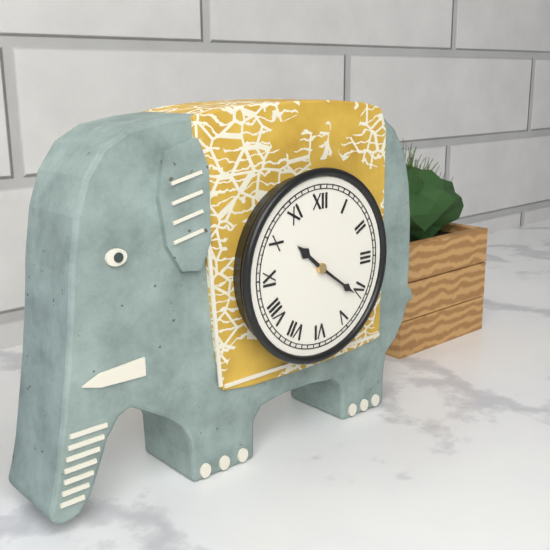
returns {"hour": 10, "minute": 21}
